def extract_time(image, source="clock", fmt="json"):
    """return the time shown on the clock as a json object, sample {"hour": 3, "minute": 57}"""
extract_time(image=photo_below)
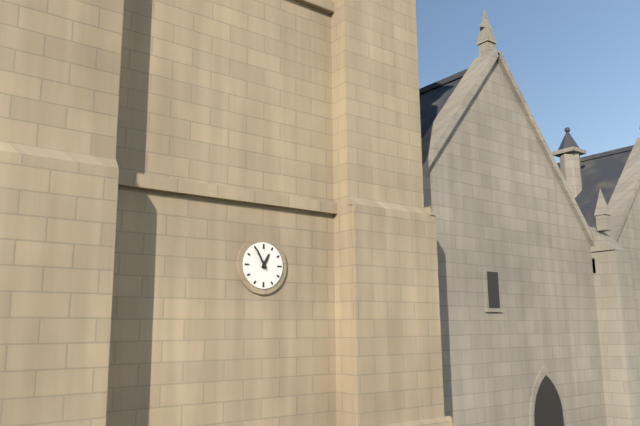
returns {"hour": 12, "minute": 55}
